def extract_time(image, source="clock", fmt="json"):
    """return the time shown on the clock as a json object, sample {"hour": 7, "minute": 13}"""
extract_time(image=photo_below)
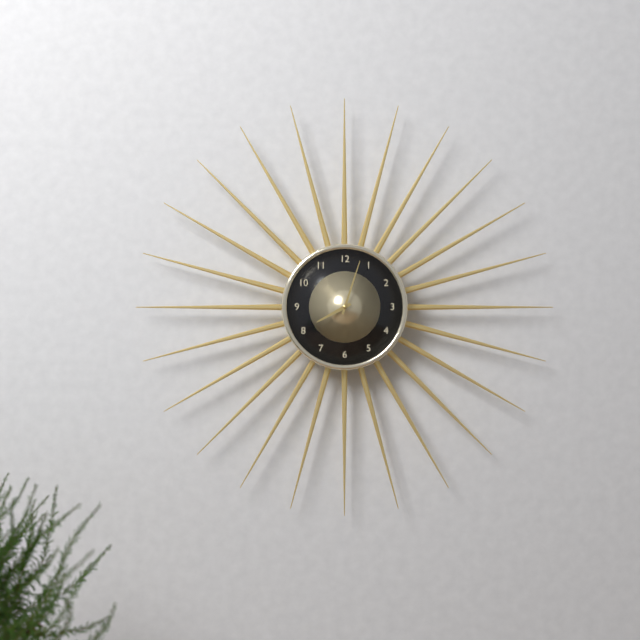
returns {"hour": 8, "minute": 3}
